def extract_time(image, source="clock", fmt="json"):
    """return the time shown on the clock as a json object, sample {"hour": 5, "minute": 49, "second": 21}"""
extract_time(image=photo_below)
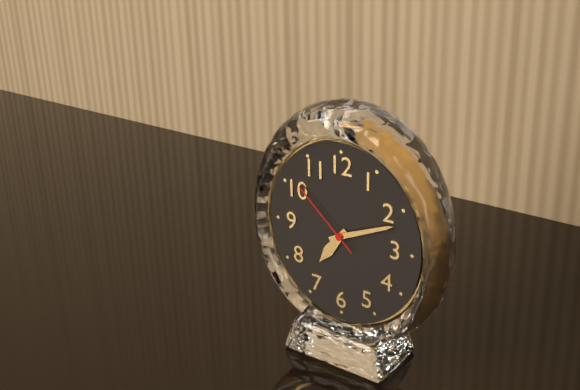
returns {"hour": 7, "minute": 11, "second": 52}
